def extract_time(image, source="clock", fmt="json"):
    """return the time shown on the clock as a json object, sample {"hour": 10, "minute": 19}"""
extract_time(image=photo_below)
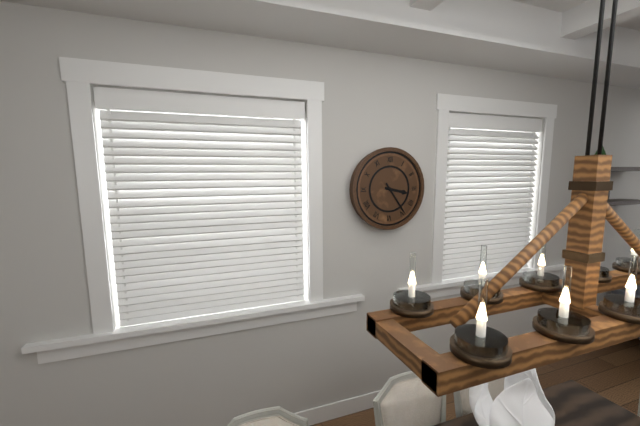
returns {"hour": 3, "minute": 24}
